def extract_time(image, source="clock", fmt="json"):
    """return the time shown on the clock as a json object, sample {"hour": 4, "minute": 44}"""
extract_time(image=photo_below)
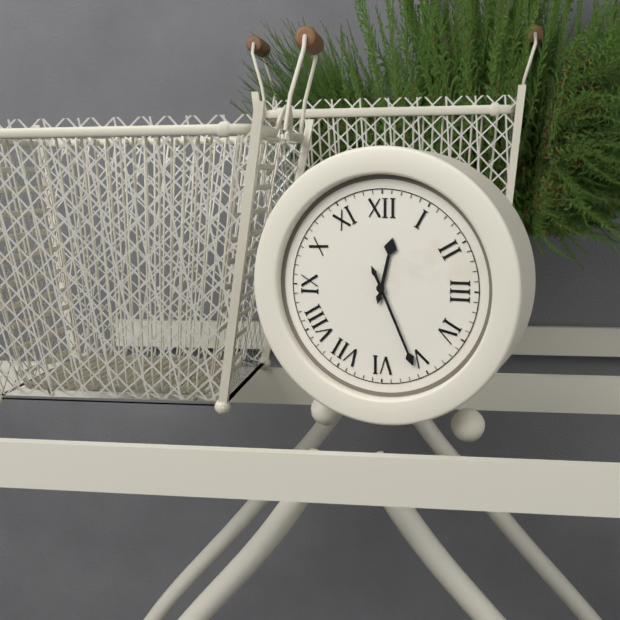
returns {"hour": 12, "minute": 26}
